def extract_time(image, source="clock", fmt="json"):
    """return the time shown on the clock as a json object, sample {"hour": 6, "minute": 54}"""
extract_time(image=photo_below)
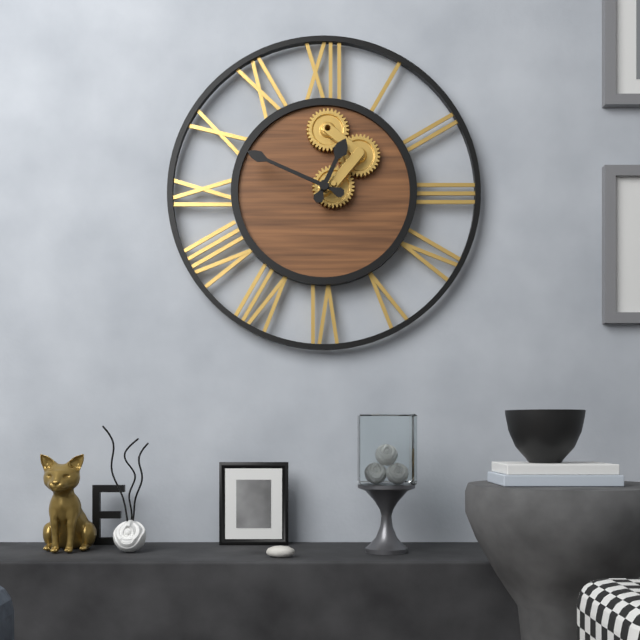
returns {"hour": 12, "minute": 49}
